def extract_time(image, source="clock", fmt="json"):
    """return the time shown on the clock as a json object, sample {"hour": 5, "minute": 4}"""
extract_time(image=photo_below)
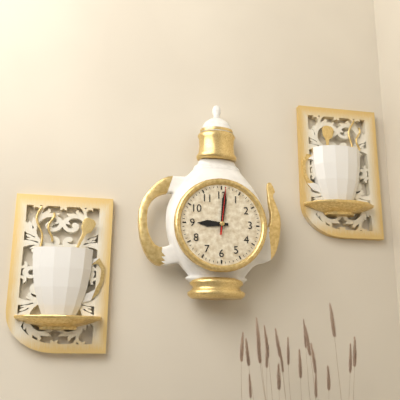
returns {"hour": 9, "minute": 1}
